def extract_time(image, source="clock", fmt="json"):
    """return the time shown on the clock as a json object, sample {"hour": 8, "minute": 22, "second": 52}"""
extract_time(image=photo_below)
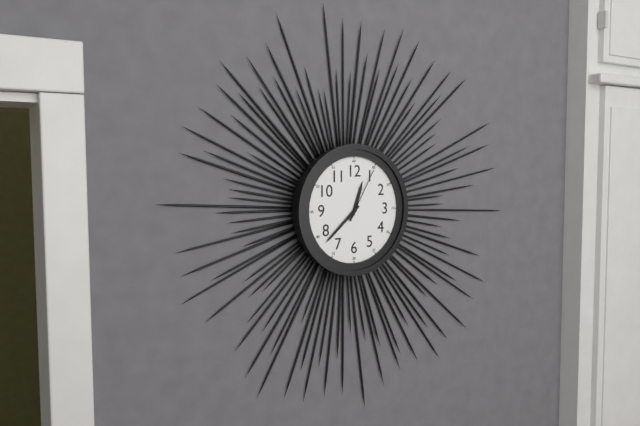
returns {"hour": 12, "minute": 38, "second": 5}
